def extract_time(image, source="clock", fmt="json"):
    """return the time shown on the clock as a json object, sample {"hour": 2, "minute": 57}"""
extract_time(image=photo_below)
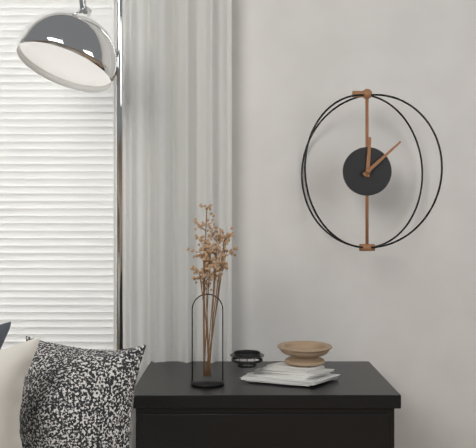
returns {"hour": 12, "minute": 8}
